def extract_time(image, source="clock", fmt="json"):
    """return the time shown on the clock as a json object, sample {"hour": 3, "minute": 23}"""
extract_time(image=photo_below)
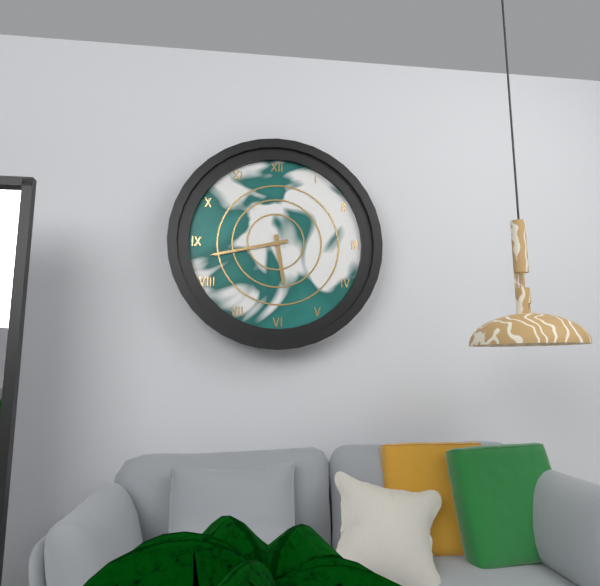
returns {"hour": 5, "minute": 43}
